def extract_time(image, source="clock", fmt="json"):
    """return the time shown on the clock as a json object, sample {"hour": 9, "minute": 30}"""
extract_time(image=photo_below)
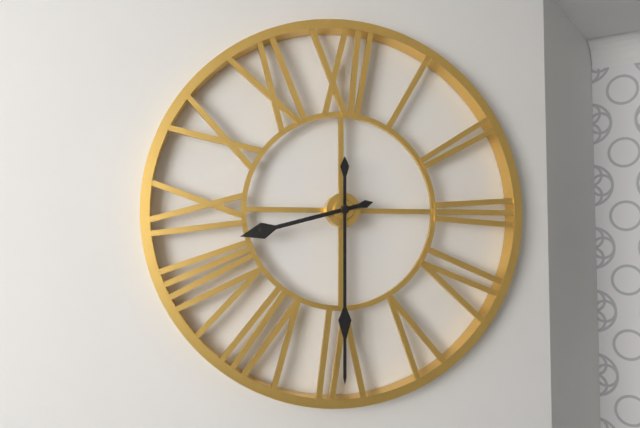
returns {"hour": 8, "minute": 30}
